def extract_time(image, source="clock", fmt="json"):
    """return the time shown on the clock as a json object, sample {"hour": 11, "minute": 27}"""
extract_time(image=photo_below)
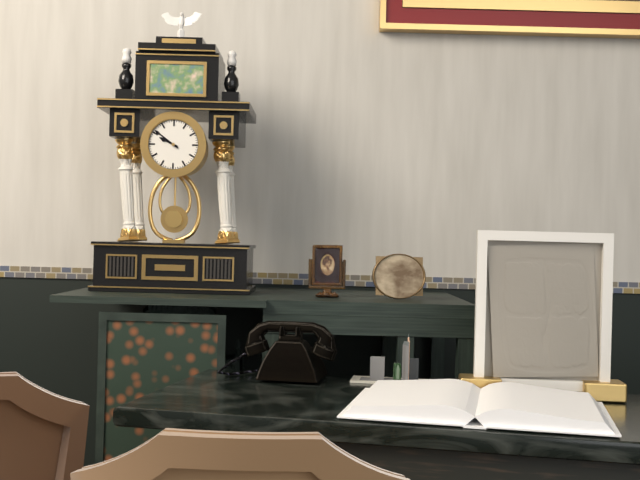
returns {"hour": 9, "minute": 51}
